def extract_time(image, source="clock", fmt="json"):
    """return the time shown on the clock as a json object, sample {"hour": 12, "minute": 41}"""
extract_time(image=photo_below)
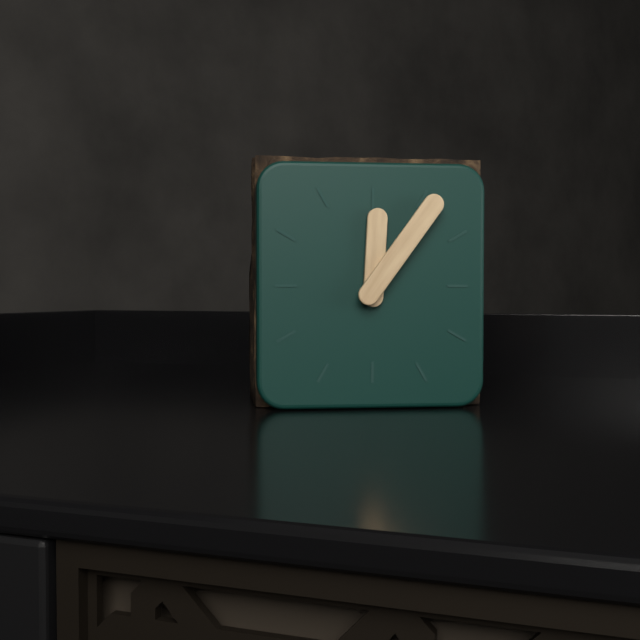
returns {"hour": 12, "minute": 6}
